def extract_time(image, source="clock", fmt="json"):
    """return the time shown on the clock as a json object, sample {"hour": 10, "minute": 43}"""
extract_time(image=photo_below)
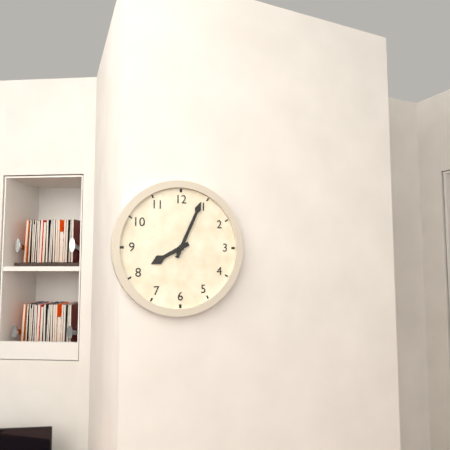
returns {"hour": 8, "minute": 4}
